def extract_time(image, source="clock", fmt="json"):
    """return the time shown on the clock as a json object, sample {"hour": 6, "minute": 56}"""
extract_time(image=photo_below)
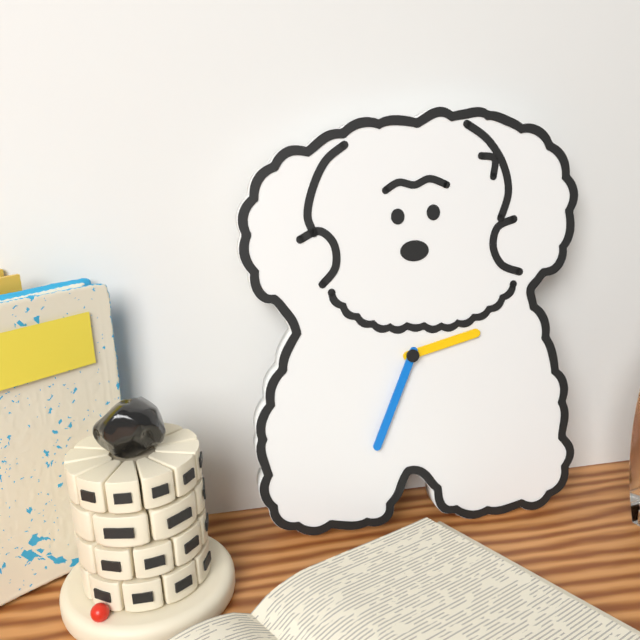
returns {"hour": 2, "minute": 34}
